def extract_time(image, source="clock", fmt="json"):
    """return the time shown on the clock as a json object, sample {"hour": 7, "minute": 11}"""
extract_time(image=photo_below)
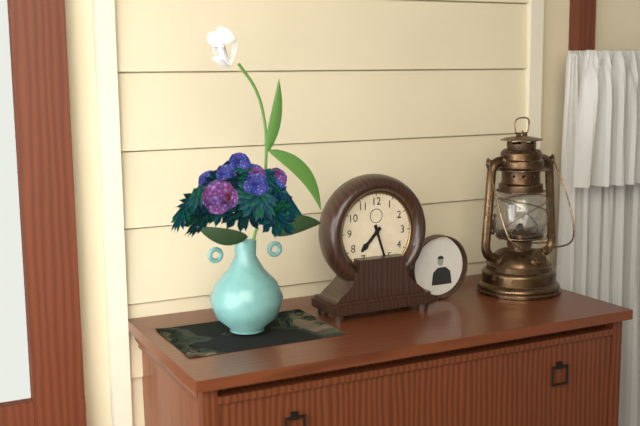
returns {"hour": 7, "minute": 27}
